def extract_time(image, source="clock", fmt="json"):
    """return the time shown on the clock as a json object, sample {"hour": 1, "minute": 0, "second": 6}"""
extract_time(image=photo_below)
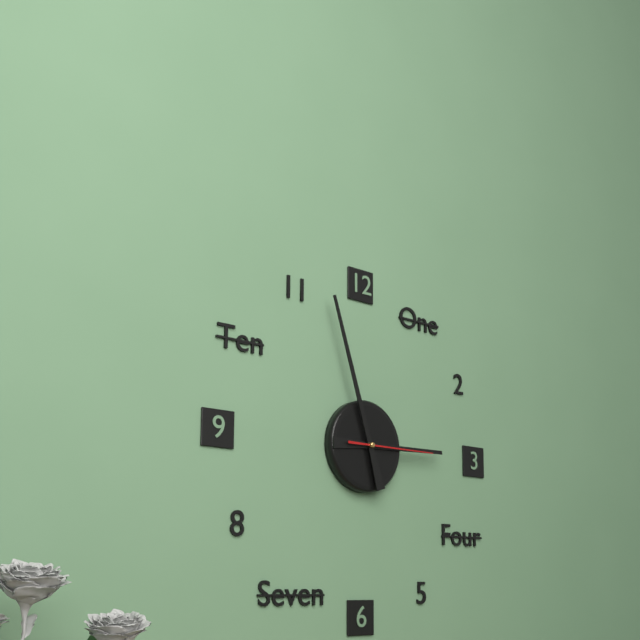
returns {"hour": 2, "minute": 57, "second": 15}
